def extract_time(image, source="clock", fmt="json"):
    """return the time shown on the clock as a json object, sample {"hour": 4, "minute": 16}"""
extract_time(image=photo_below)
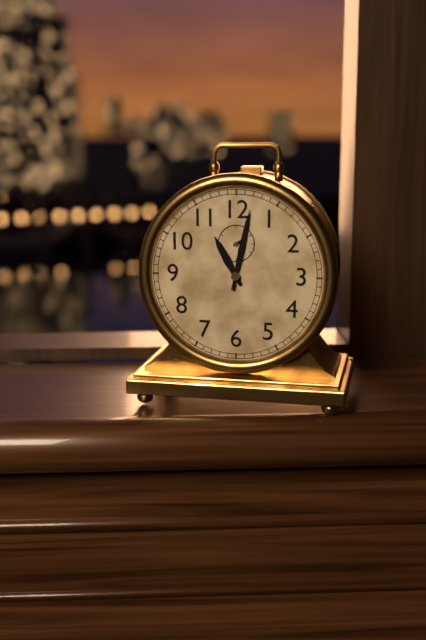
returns {"hour": 11, "minute": 2}
